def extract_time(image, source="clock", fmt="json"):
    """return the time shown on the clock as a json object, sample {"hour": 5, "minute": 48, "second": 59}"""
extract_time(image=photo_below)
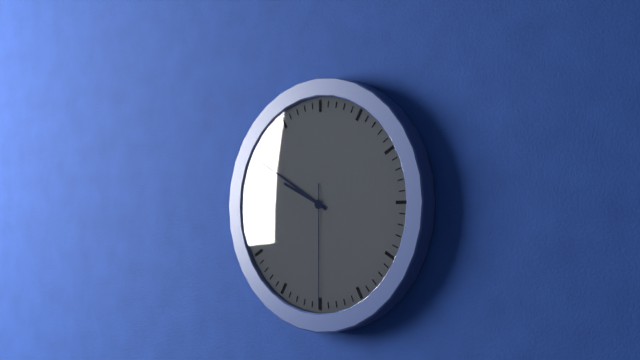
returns {"hour": 9, "minute": 50, "second": 30}
